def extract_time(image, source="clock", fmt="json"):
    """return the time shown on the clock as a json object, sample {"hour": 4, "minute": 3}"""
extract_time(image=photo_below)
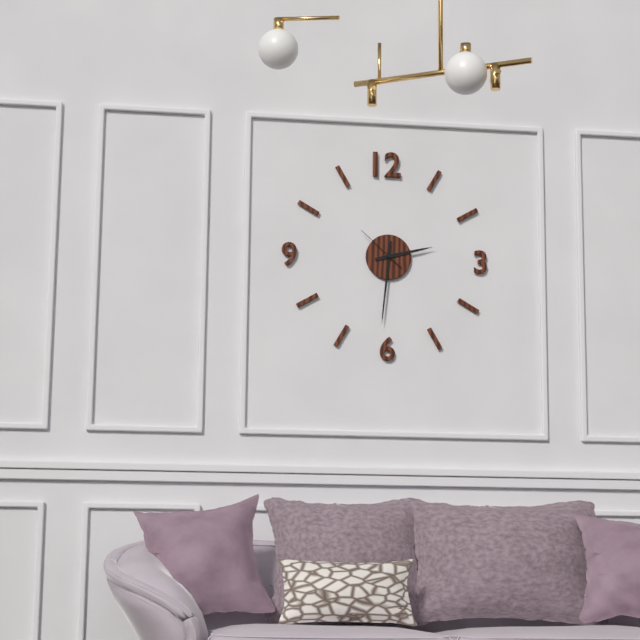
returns {"hour": 2, "minute": 31}
